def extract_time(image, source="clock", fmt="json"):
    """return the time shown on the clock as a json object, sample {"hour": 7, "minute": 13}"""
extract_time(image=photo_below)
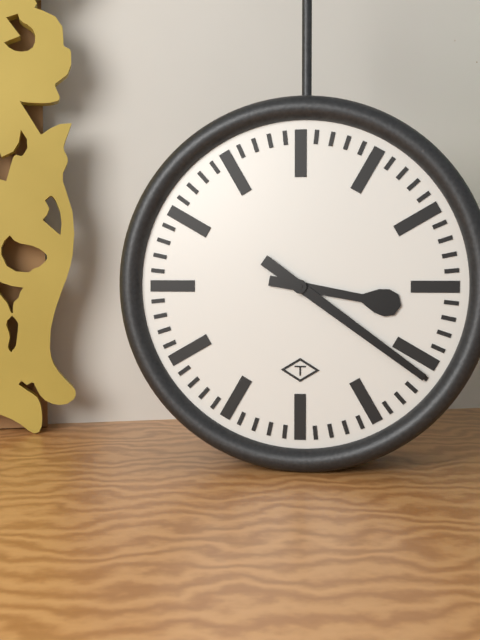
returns {"hour": 3, "minute": 21}
